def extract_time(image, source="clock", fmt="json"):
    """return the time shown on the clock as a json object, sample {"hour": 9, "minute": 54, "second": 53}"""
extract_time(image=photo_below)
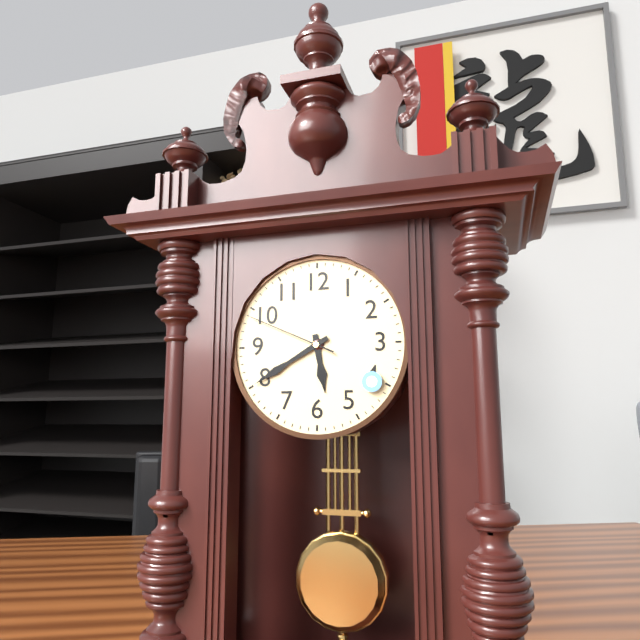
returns {"hour": 5, "minute": 40, "second": 49}
